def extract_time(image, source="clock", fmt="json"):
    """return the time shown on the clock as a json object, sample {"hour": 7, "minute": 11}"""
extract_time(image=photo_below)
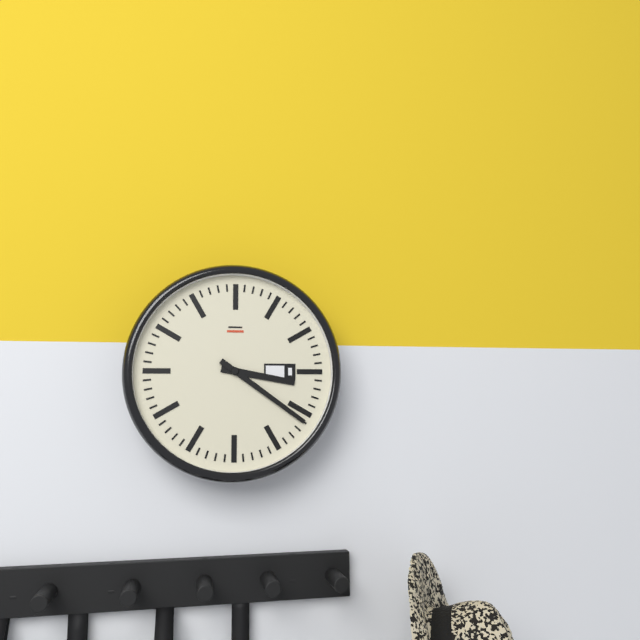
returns {"hour": 3, "minute": 21}
